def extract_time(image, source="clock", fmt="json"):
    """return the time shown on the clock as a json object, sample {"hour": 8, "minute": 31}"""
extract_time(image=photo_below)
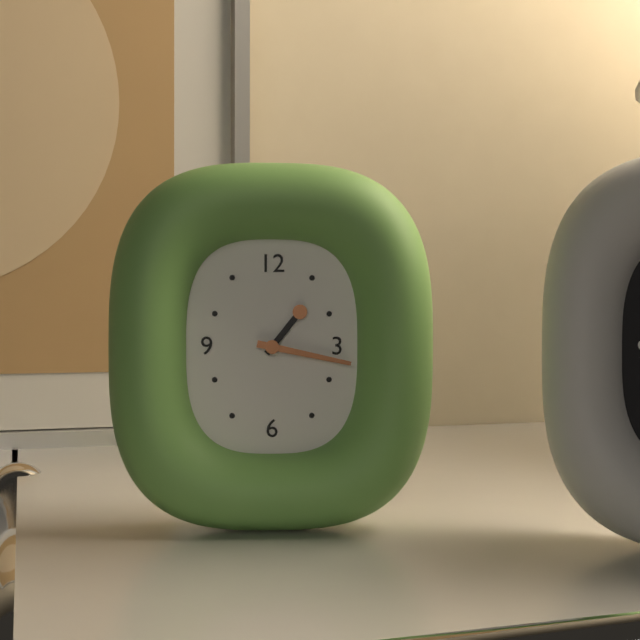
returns {"hour": 1, "minute": 17}
